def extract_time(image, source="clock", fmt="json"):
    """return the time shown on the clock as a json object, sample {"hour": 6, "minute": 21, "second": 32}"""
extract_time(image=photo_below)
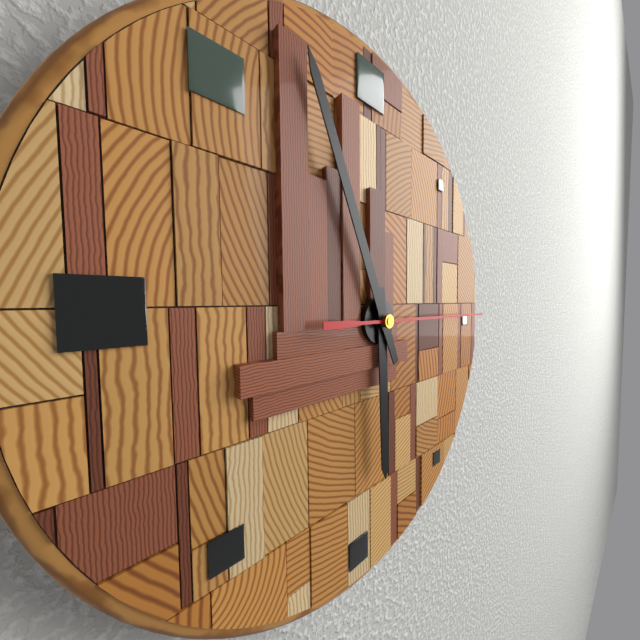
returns {"hour": 5, "minute": 56, "second": 15}
